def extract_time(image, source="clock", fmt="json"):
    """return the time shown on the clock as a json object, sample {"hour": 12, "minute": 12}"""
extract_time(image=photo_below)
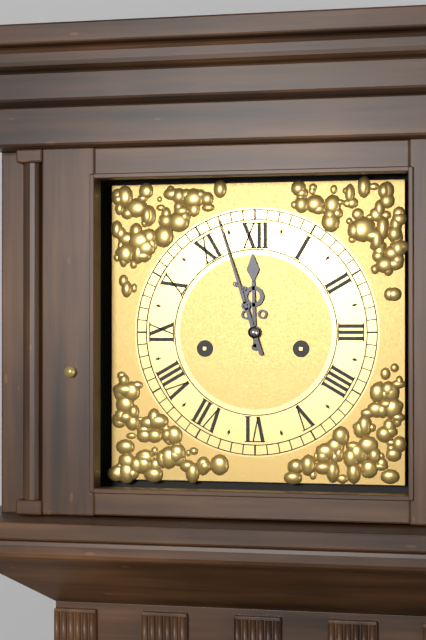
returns {"hour": 11, "minute": 57}
